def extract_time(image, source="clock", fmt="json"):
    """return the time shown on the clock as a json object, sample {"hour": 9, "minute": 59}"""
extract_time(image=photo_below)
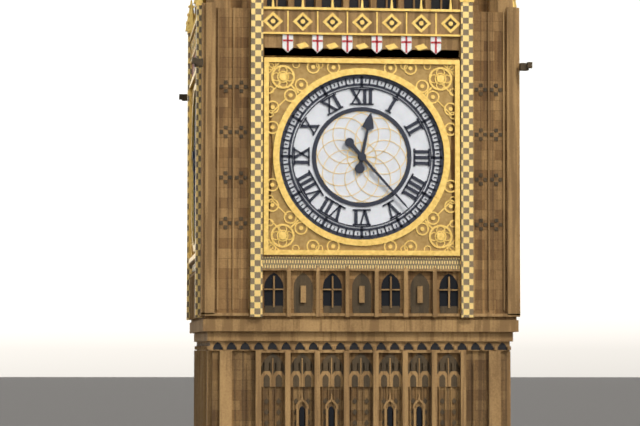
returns {"hour": 12, "minute": 23}
